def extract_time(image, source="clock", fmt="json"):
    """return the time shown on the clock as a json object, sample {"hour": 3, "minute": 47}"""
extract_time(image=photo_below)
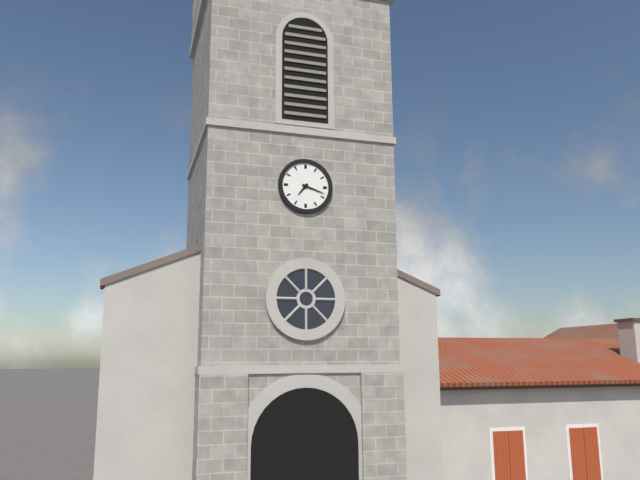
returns {"hour": 7, "minute": 18}
